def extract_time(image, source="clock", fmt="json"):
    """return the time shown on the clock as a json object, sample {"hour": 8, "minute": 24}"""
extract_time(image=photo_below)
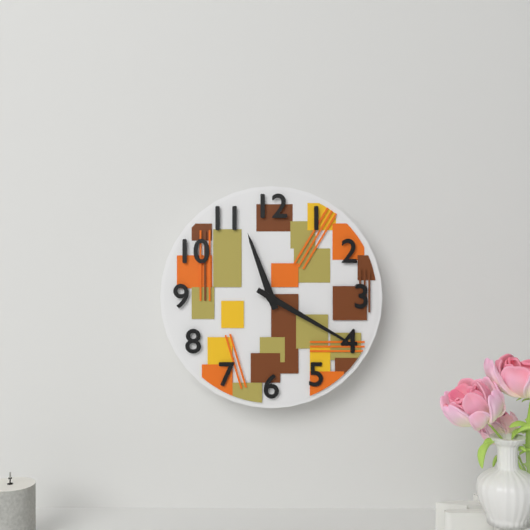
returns {"hour": 11, "minute": 20}
